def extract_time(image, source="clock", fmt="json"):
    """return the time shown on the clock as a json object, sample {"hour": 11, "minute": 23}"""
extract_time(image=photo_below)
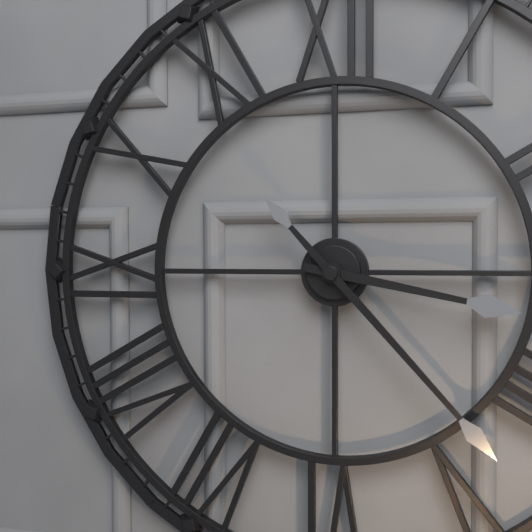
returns {"hour": 3, "minute": 23}
